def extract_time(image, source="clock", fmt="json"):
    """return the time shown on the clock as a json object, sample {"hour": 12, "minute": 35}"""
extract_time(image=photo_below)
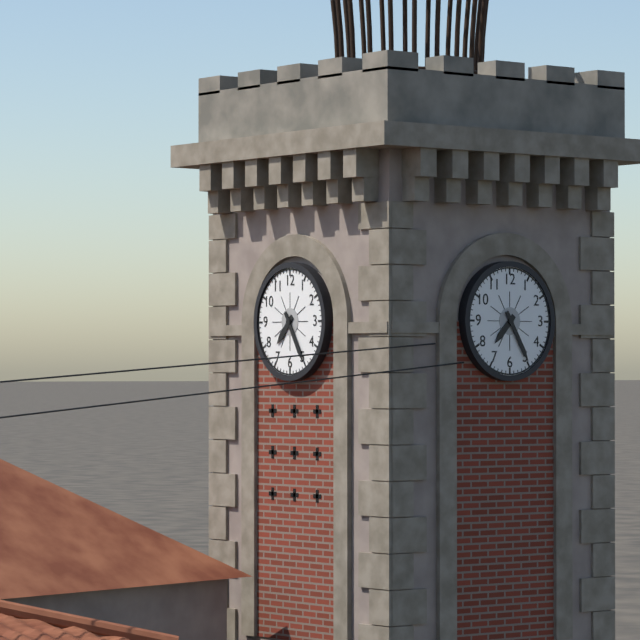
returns {"hour": 7, "minute": 25}
